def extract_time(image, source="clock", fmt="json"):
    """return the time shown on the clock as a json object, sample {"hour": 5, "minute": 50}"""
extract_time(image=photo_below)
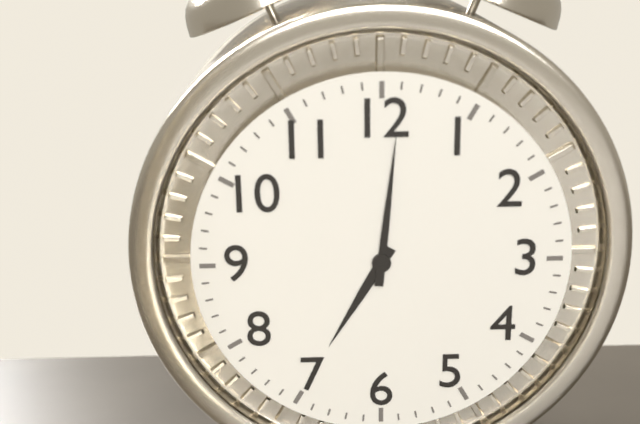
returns {"hour": 7, "minute": 1}
